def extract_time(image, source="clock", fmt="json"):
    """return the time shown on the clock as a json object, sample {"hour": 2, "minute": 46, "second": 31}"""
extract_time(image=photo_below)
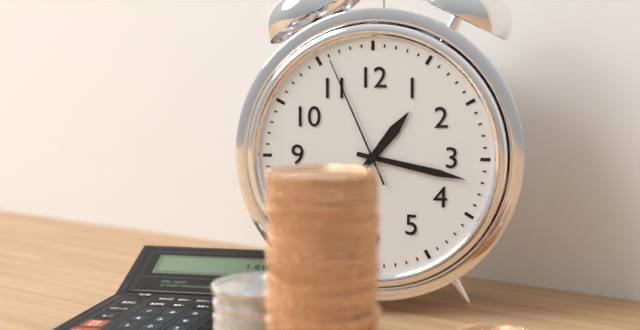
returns {"hour": 1, "minute": 17, "second": 56}
